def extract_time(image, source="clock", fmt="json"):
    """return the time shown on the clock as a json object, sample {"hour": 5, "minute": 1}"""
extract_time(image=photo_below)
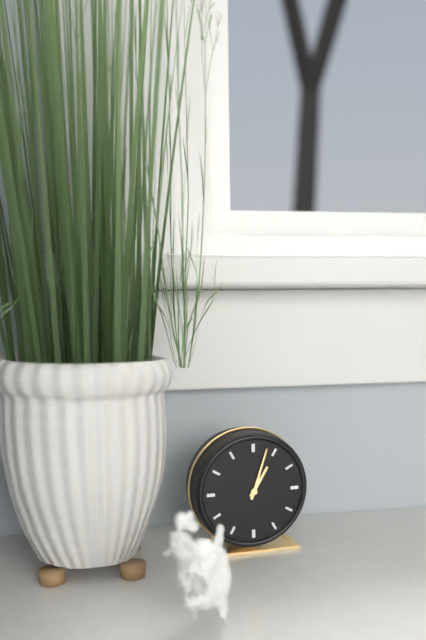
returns {"hour": 1, "minute": 3}
